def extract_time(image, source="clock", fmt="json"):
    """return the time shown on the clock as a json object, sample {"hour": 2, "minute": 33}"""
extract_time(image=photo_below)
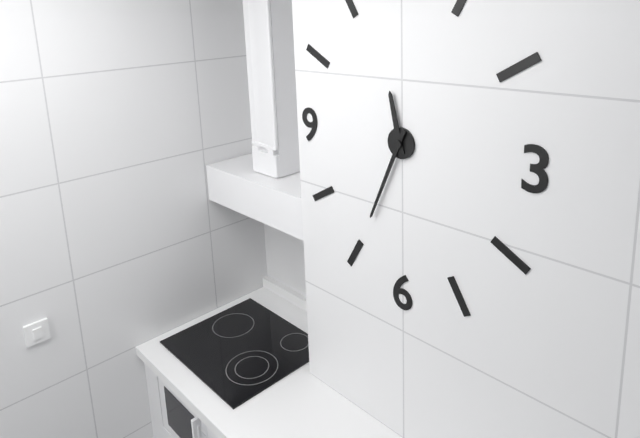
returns {"hour": 11, "minute": 34}
